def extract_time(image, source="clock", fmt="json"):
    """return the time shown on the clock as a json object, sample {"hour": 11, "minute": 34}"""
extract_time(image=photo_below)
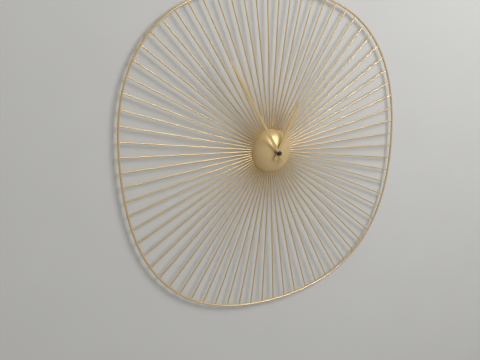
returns {"hour": 12, "minute": 55}
